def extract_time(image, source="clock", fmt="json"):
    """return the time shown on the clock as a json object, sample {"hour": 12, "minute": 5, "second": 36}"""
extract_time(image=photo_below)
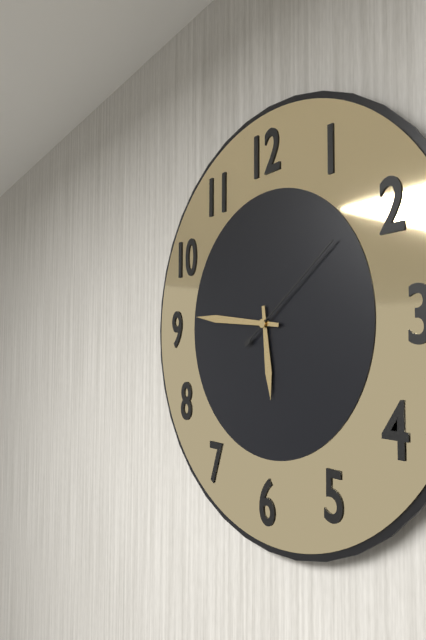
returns {"hour": 5, "minute": 46, "second": 9}
